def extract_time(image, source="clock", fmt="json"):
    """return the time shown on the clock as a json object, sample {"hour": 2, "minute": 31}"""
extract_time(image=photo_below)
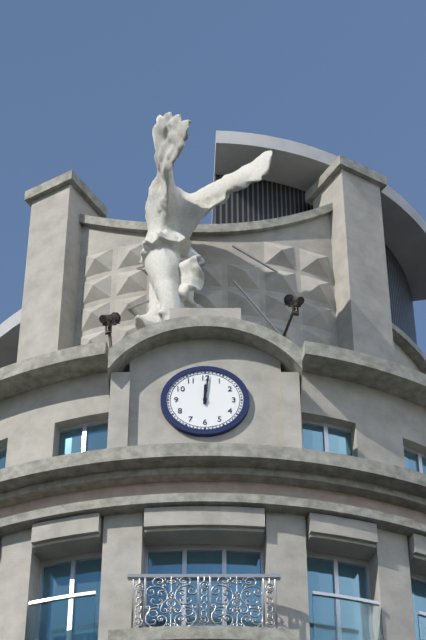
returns {"hour": 12, "minute": 1}
